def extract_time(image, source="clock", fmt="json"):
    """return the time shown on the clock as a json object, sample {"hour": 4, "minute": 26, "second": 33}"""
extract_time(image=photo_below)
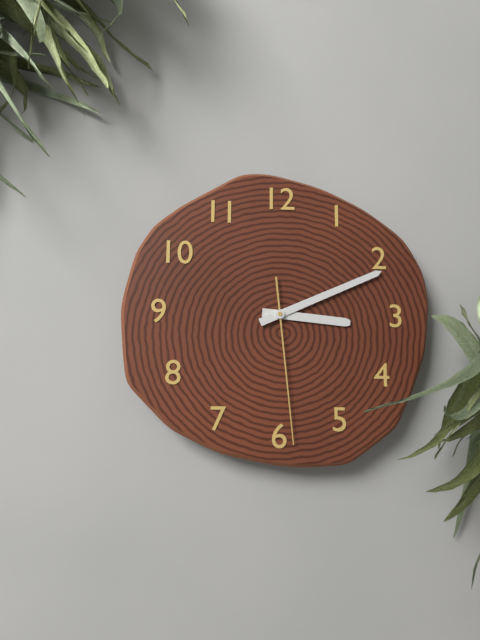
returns {"hour": 3, "minute": 11, "second": 29}
